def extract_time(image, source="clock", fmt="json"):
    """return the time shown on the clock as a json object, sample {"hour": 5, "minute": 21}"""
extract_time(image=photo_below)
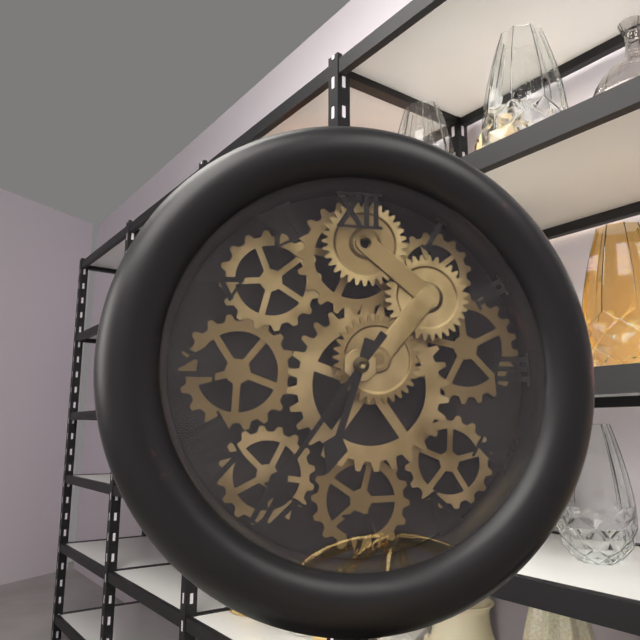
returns {"hour": 6, "minute": 36}
